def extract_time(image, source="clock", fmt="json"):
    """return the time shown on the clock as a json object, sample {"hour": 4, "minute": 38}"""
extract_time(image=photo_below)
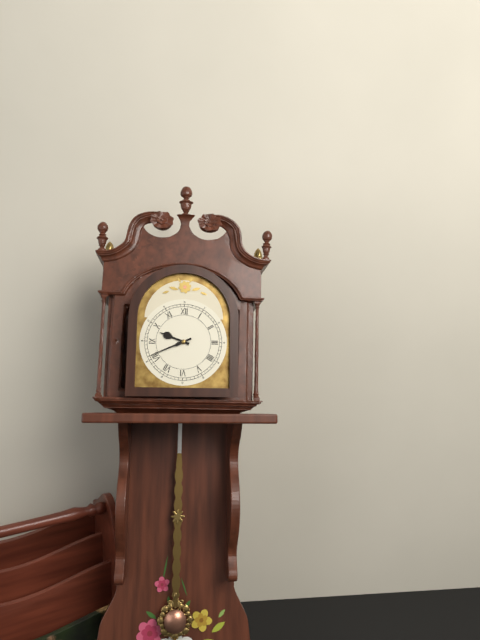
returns {"hour": 9, "minute": 41}
